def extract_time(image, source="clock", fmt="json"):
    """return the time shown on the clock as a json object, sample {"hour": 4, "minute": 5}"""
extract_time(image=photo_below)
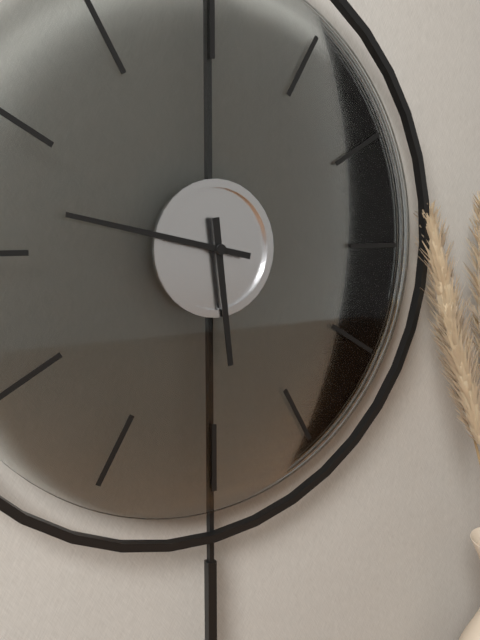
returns {"hour": 5, "minute": 47}
